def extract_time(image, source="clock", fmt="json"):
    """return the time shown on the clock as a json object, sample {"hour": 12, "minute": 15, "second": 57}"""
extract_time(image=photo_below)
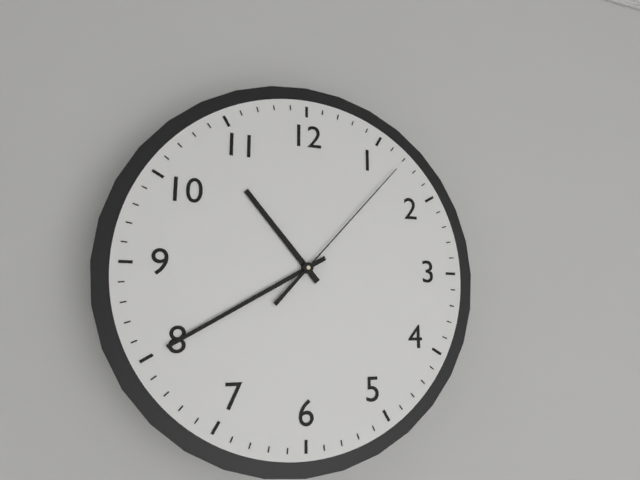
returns {"hour": 10, "minute": 40, "second": 7}
